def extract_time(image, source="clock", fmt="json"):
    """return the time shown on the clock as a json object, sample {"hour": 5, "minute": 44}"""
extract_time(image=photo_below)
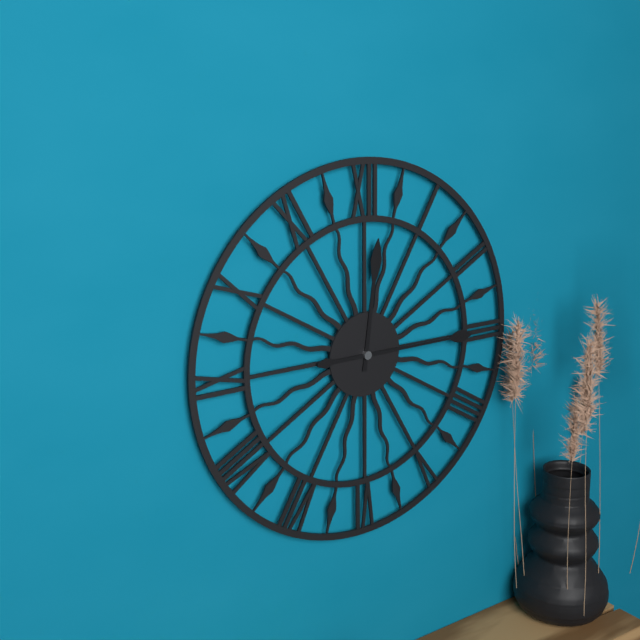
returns {"hour": 12, "minute": 15}
